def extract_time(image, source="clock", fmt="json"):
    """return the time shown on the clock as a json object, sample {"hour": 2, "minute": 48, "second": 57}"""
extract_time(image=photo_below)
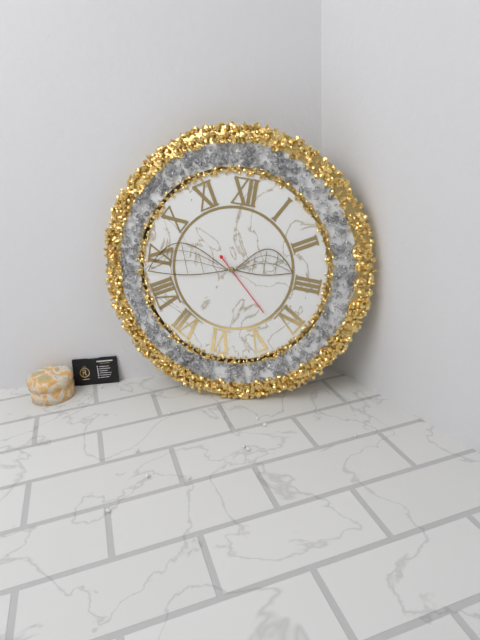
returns {"hour": 2, "minute": 43, "second": 22}
